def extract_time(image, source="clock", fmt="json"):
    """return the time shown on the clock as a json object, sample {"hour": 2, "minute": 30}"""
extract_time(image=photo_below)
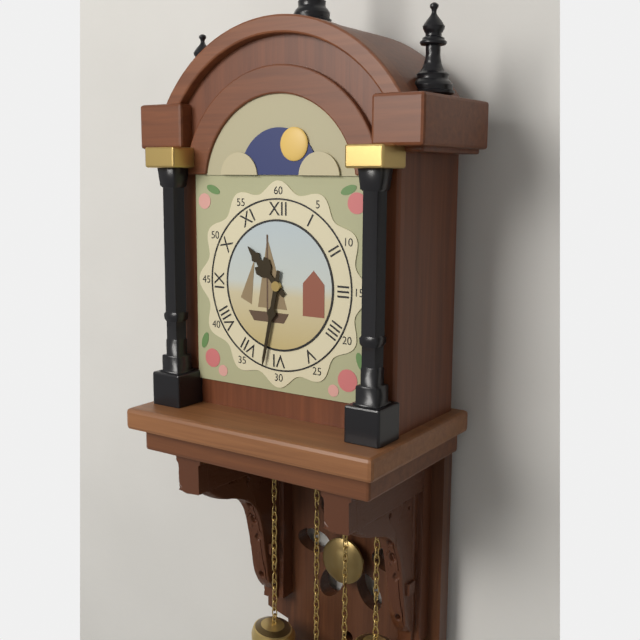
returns {"hour": 10, "minute": 32}
